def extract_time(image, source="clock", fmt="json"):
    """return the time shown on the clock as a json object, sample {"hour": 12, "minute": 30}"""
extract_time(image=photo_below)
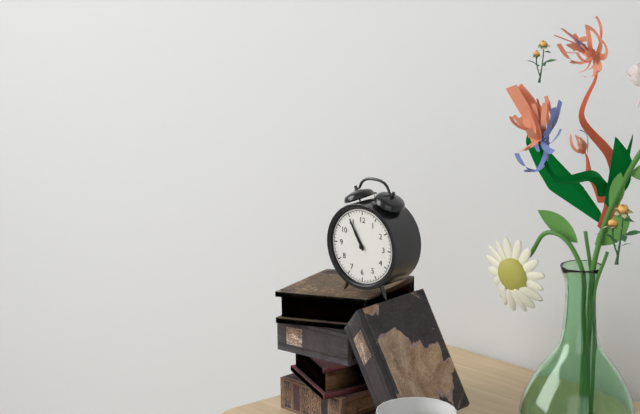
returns {"hour": 10, "minute": 55}
